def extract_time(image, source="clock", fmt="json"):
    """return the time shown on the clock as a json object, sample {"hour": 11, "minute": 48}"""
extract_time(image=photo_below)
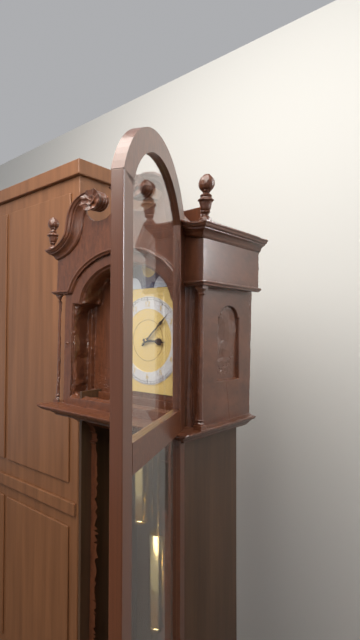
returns {"hour": 3, "minute": 8}
